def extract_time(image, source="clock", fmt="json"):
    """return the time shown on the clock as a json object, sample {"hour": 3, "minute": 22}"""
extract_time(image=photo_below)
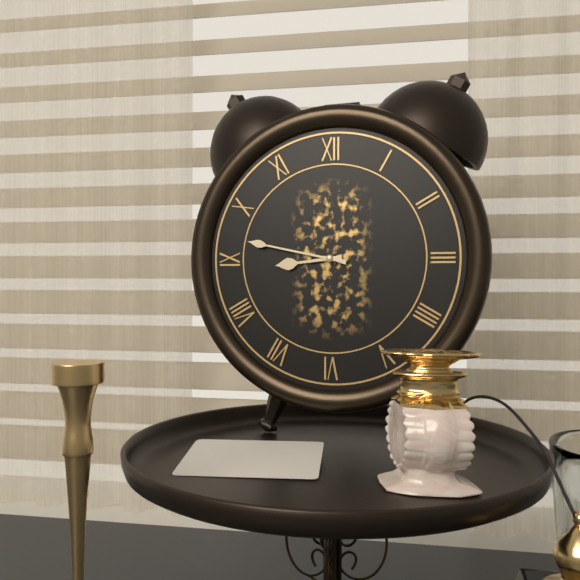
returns {"hour": 8, "minute": 47}
